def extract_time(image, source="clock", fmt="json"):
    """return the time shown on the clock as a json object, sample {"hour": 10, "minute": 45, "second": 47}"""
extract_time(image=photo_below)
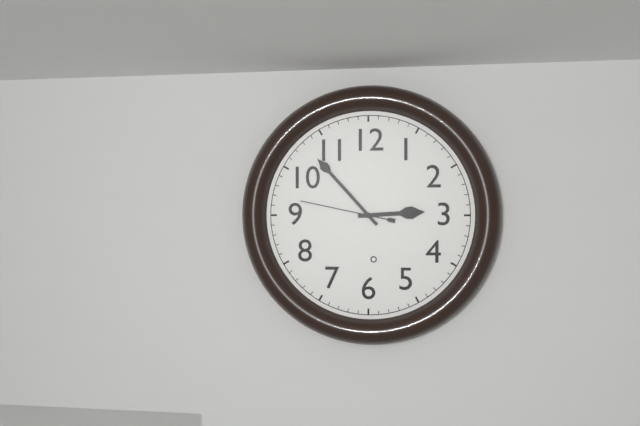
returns {"hour": 2, "minute": 53, "second": 47}
